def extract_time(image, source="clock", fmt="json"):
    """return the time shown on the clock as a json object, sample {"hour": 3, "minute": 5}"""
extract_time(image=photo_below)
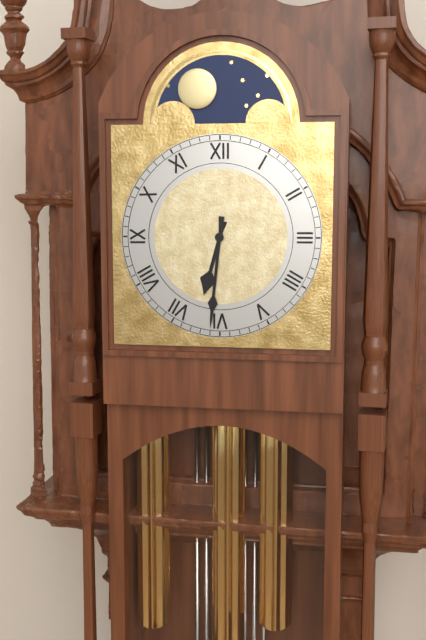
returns {"hour": 6, "minute": 31}
